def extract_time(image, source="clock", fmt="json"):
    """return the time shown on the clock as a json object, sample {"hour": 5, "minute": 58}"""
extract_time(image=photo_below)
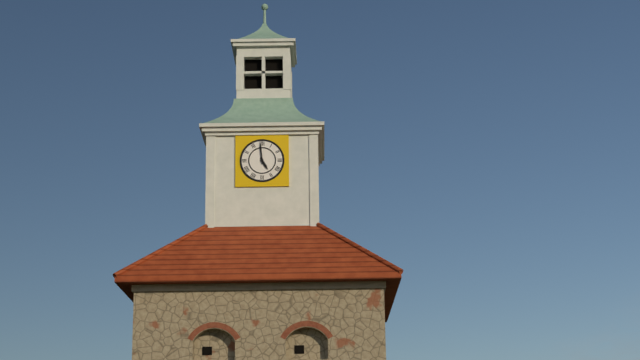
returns {"hour": 4, "minute": 59}
